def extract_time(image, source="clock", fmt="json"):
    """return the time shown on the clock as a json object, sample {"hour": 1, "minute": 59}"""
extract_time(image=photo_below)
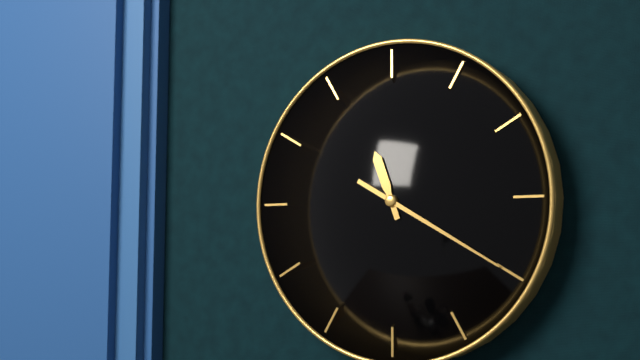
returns {"hour": 11, "minute": 20}
